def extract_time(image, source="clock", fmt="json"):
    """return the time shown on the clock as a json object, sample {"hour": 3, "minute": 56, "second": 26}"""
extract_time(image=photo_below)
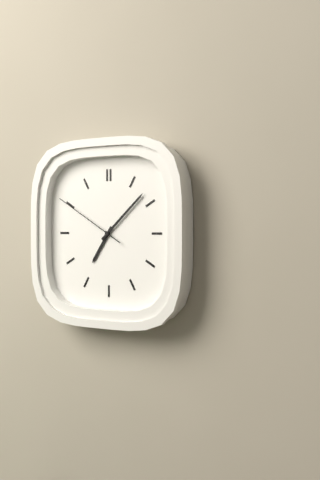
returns {"hour": 7, "minute": 8, "second": 50}
